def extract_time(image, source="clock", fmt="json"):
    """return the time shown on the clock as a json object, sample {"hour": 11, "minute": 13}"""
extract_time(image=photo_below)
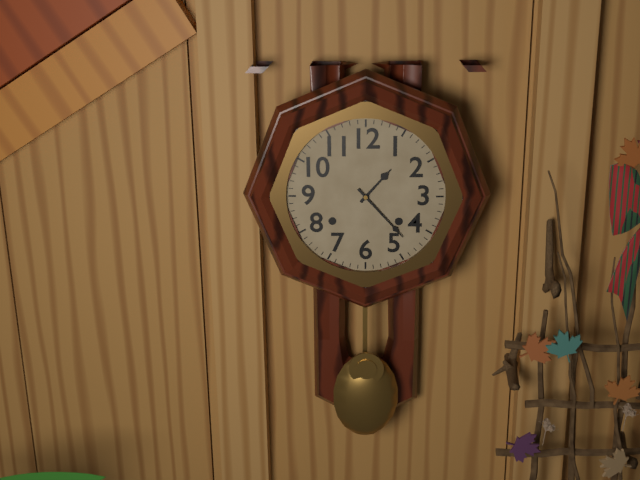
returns {"hour": 1, "minute": 23}
